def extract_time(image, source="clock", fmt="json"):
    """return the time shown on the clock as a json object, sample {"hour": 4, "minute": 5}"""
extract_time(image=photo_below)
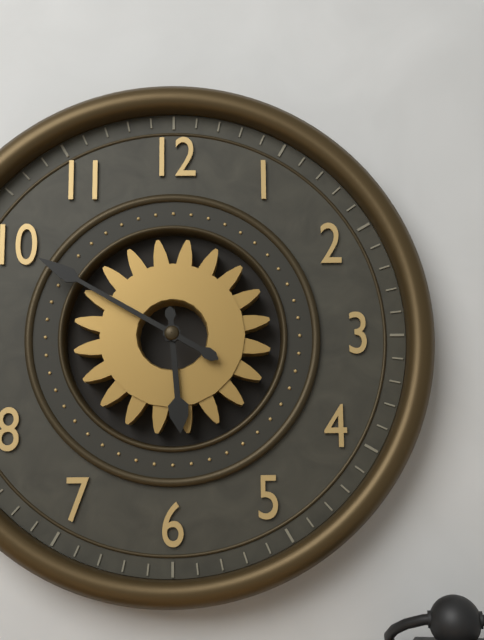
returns {"hour": 5, "minute": 50}
